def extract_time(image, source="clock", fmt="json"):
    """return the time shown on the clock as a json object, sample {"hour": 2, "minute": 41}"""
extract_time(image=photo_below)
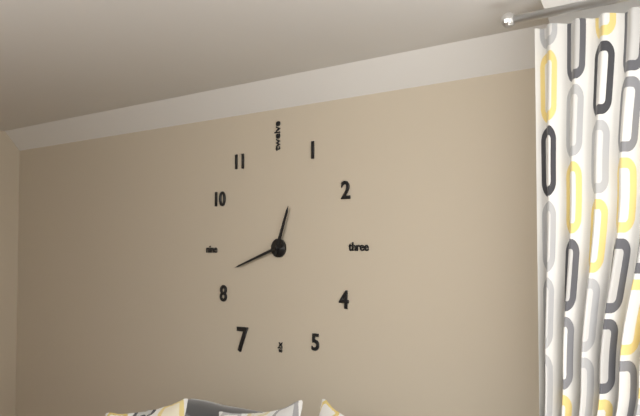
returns {"hour": 12, "minute": 42}
